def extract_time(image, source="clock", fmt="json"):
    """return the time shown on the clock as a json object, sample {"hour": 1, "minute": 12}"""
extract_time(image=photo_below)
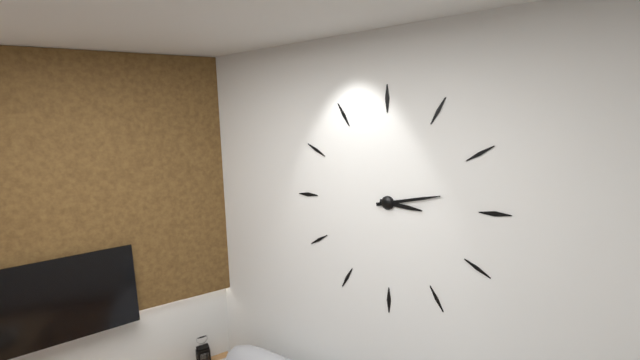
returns {"hour": 3, "minute": 13}
